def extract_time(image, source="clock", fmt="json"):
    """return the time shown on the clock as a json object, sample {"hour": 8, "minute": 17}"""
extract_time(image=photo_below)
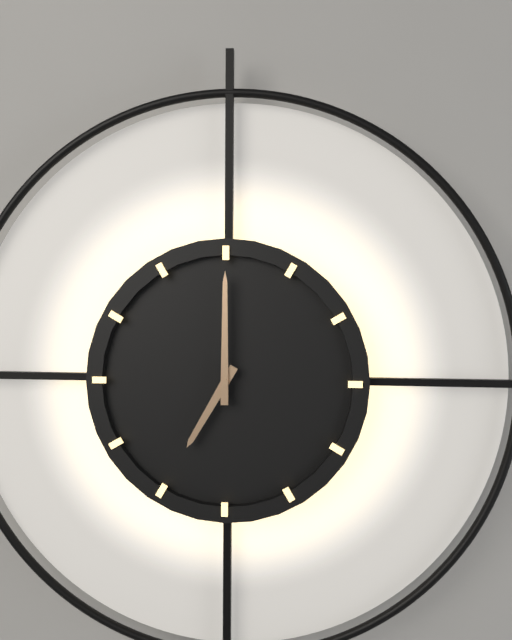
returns {"hour": 7, "minute": 0}
